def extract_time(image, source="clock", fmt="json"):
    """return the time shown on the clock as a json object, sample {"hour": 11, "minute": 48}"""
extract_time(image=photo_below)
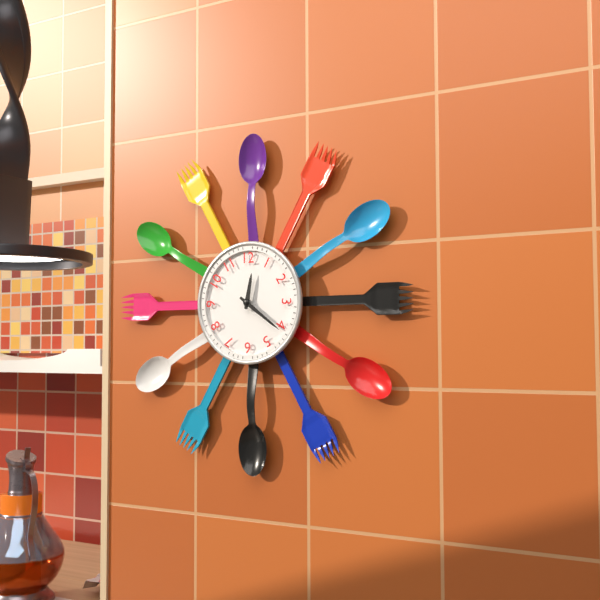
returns {"hour": 12, "minute": 21}
